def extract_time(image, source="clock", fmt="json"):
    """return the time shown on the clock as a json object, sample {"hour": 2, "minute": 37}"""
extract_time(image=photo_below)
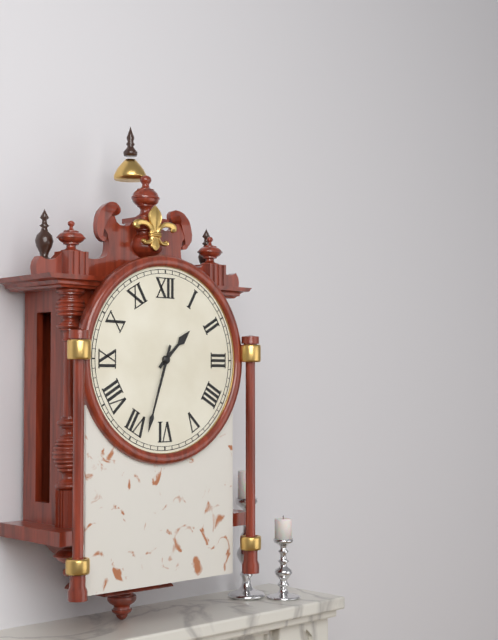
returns {"hour": 1, "minute": 33}
